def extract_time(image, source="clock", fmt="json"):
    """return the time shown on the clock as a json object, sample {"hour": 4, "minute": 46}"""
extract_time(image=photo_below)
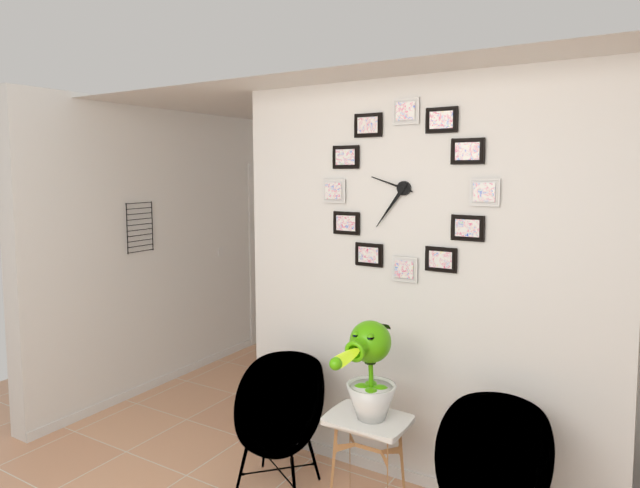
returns {"hour": 9, "minute": 36}
